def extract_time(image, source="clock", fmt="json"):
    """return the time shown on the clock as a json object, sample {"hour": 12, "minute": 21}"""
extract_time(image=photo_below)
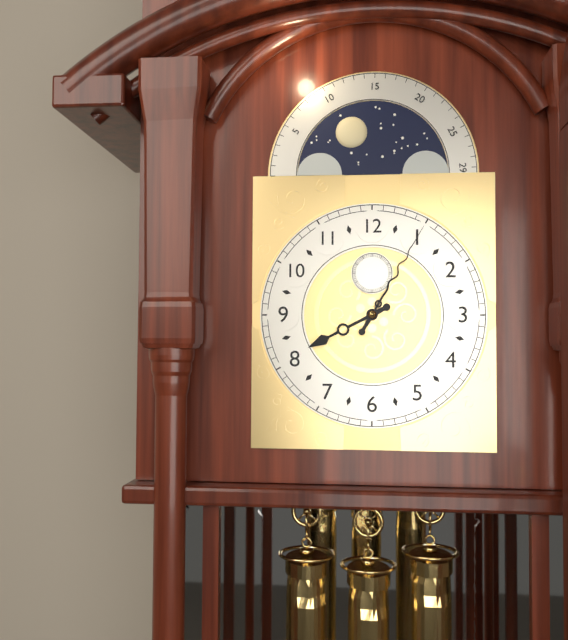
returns {"hour": 8, "minute": 5}
